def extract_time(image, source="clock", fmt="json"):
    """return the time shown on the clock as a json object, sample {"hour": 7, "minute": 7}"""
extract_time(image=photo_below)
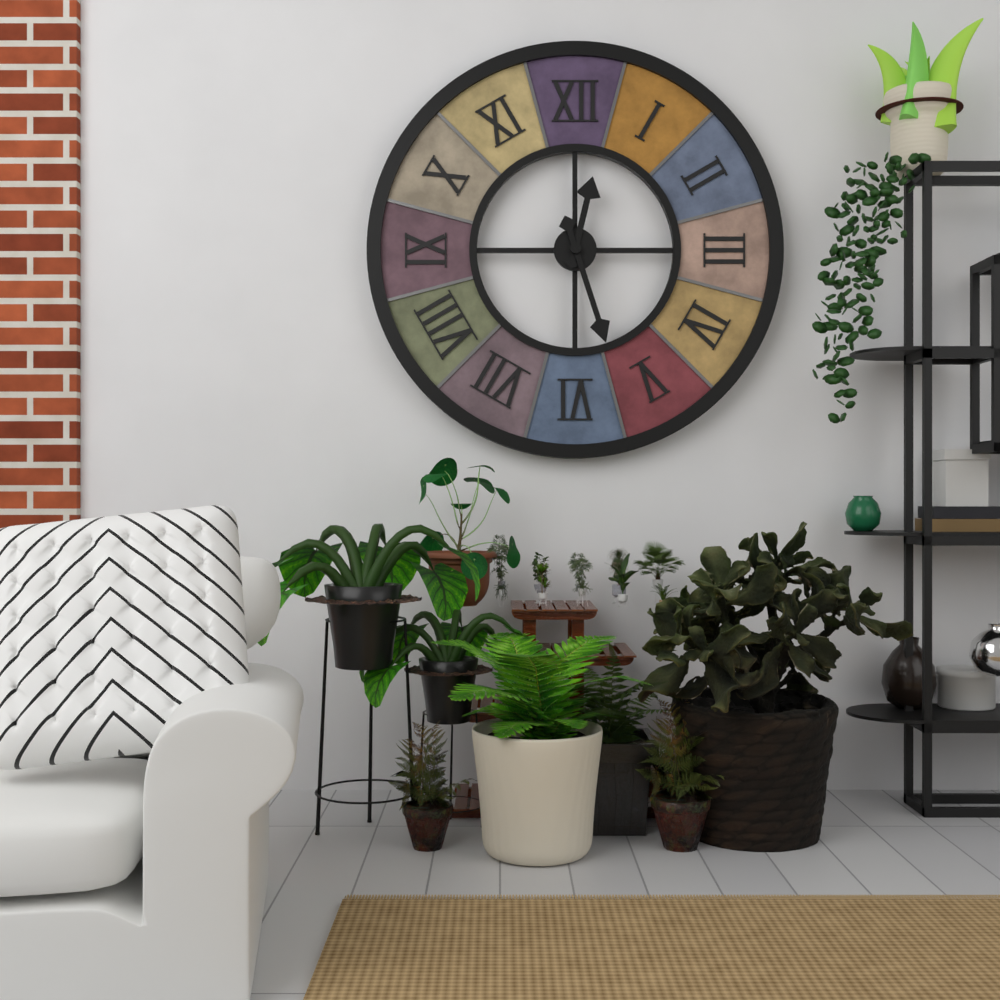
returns {"hour": 12, "minute": 27}
